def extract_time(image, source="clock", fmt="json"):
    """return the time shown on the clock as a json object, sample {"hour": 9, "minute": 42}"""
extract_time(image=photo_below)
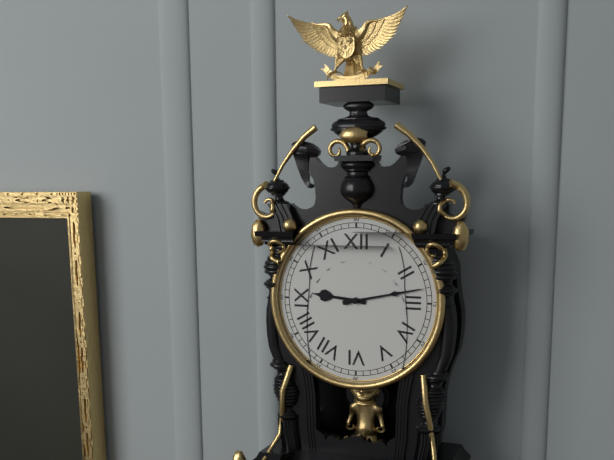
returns {"hour": 9, "minute": 13}
